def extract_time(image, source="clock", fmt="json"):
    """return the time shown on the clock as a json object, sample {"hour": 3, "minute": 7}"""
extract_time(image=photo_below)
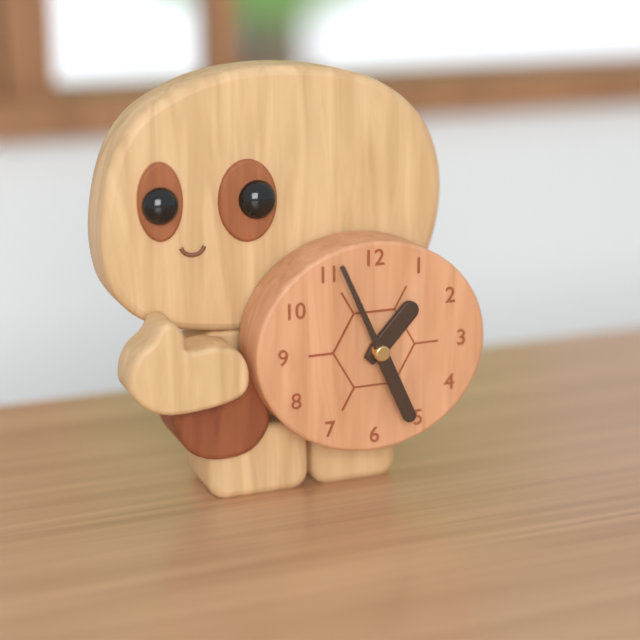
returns {"hour": 1, "minute": 26}
